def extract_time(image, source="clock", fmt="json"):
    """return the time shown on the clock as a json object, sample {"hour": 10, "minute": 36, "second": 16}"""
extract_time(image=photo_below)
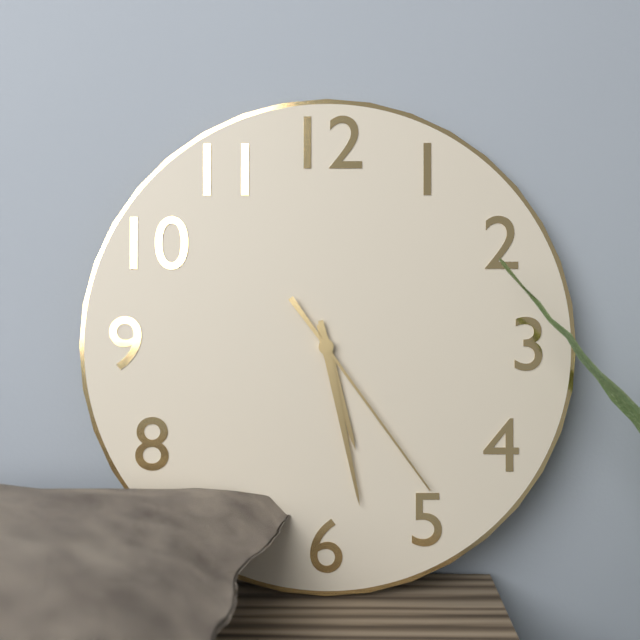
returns {"hour": 5, "minute": 28, "second": 24}
